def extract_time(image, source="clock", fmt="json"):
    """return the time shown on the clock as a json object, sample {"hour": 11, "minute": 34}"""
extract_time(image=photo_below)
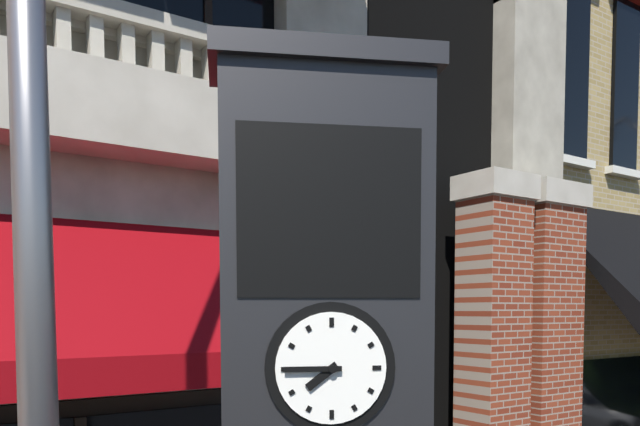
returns {"hour": 7, "minute": 45}
